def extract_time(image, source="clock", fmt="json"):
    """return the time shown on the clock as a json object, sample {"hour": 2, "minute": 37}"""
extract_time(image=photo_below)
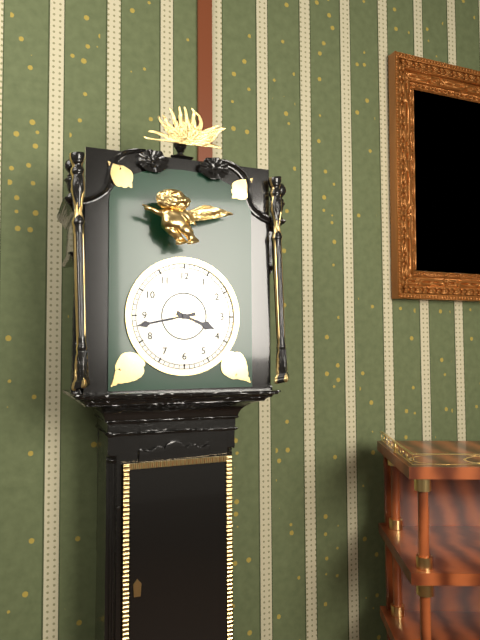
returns {"hour": 3, "minute": 43}
